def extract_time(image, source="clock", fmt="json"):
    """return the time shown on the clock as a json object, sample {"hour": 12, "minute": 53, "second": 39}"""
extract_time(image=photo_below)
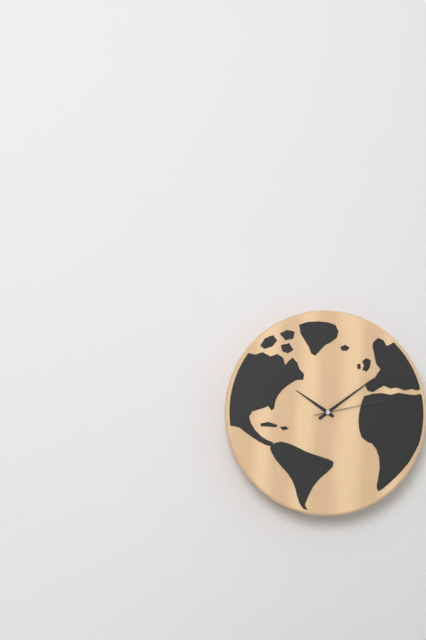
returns {"hour": 10, "minute": 9, "second": 13}
